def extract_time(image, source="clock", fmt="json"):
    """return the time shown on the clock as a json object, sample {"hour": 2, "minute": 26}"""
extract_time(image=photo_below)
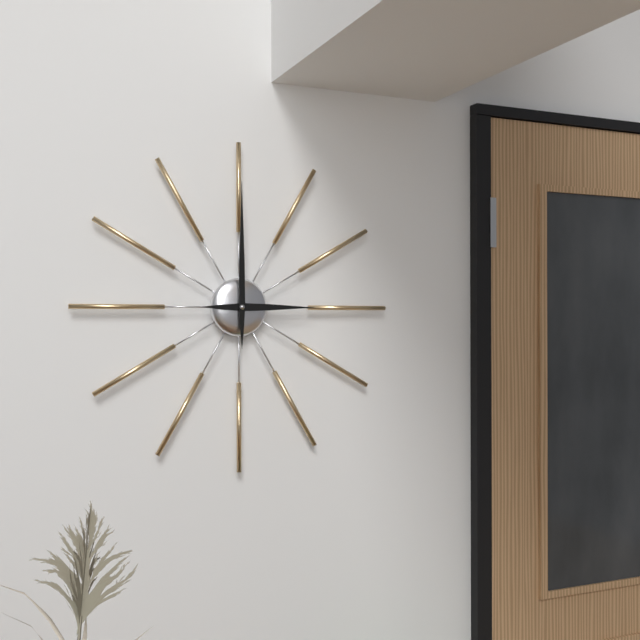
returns {"hour": 3, "minute": 0}
